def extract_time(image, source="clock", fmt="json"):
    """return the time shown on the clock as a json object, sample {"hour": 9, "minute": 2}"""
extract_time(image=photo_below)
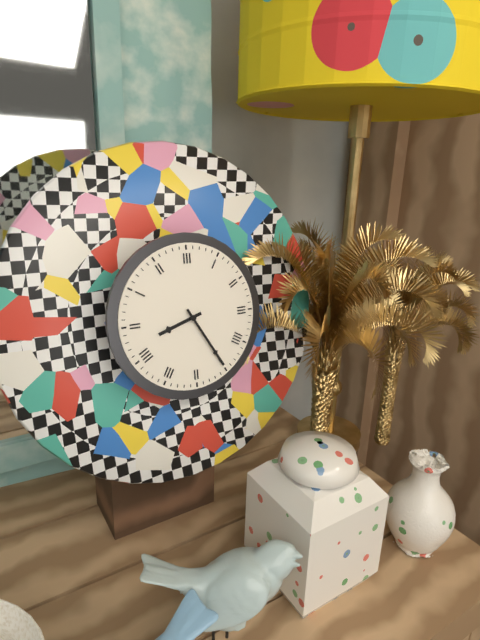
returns {"hour": 8, "minute": 25}
